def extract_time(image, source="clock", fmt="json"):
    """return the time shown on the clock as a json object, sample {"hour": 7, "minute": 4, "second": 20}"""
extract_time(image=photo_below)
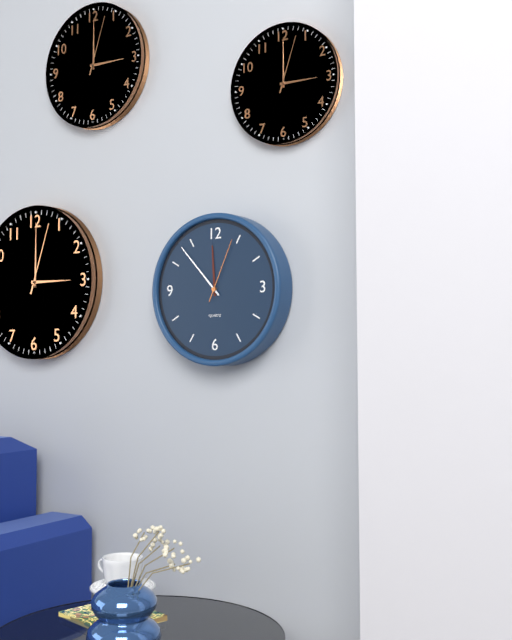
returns {"hour": 11, "minute": 53, "second": 4}
